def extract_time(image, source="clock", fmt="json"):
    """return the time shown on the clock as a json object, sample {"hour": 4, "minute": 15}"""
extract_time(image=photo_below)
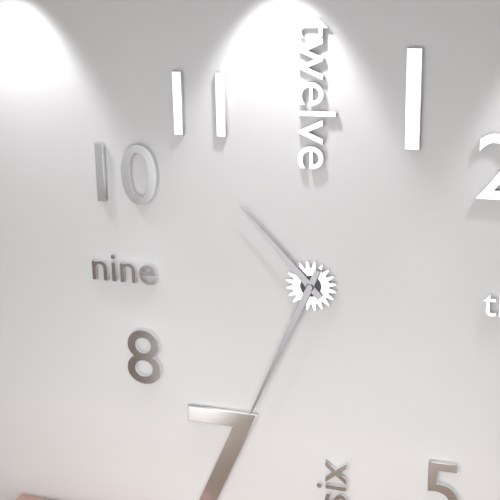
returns {"hour": 10, "minute": 34}
